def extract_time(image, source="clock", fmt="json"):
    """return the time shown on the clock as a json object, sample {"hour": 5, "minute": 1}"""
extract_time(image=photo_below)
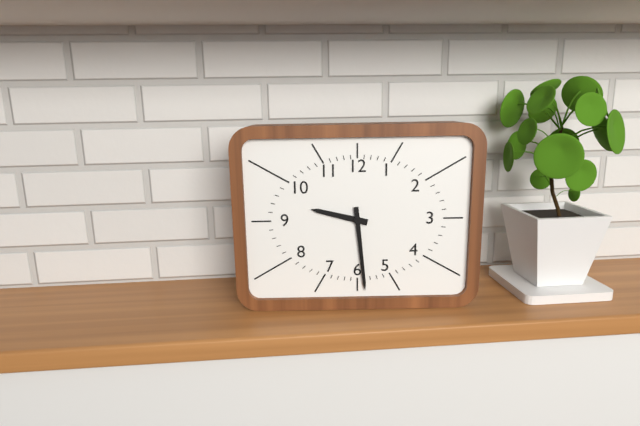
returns {"hour": 9, "minute": 29}
